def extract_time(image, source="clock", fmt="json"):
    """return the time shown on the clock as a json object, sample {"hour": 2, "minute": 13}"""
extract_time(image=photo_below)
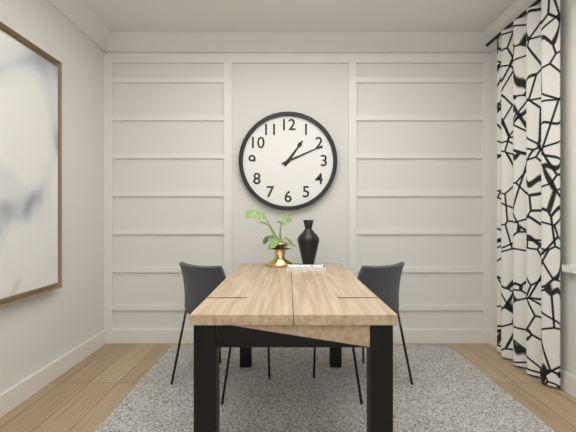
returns {"hour": 1, "minute": 11}
